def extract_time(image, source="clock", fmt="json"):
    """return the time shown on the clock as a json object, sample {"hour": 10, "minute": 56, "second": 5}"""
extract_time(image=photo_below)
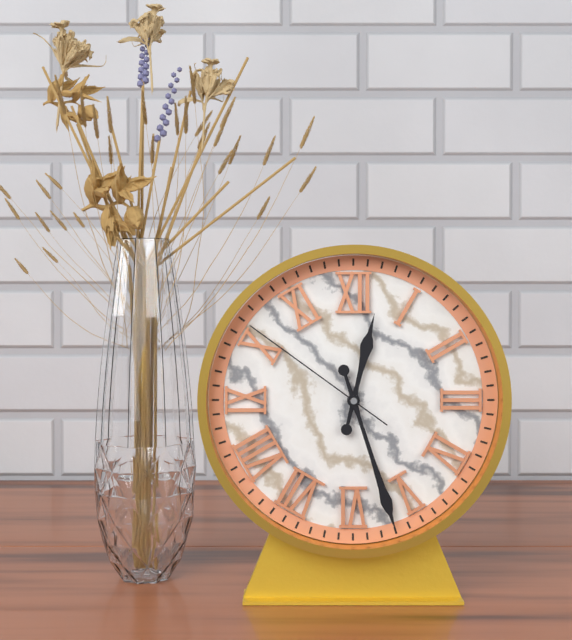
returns {"hour": 12, "minute": 27, "second": 51}
